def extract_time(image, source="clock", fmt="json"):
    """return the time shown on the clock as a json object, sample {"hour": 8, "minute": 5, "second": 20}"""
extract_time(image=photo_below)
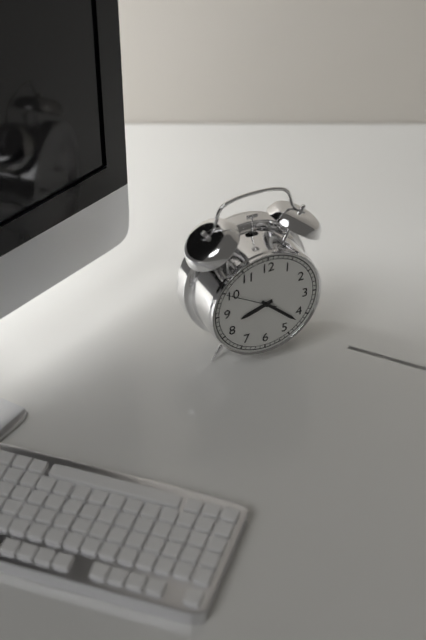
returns {"hour": 8, "minute": 22, "second": 50}
